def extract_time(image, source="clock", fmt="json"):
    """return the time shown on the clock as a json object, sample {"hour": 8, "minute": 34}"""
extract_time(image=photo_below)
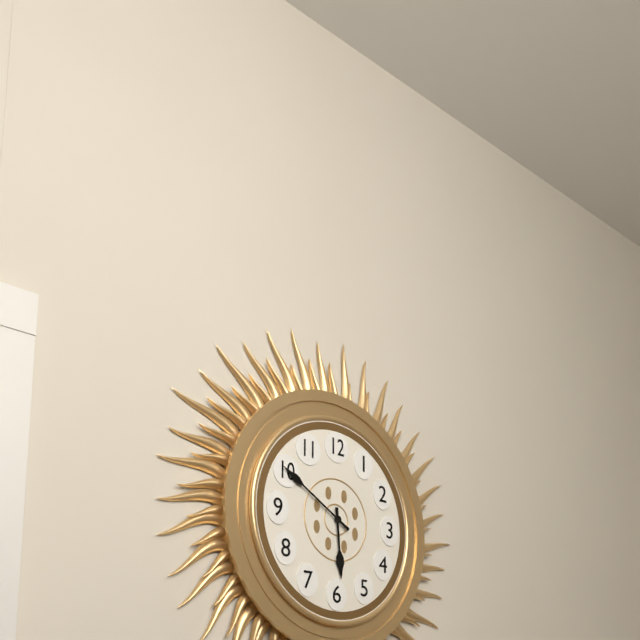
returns {"hour": 5, "minute": 50}
